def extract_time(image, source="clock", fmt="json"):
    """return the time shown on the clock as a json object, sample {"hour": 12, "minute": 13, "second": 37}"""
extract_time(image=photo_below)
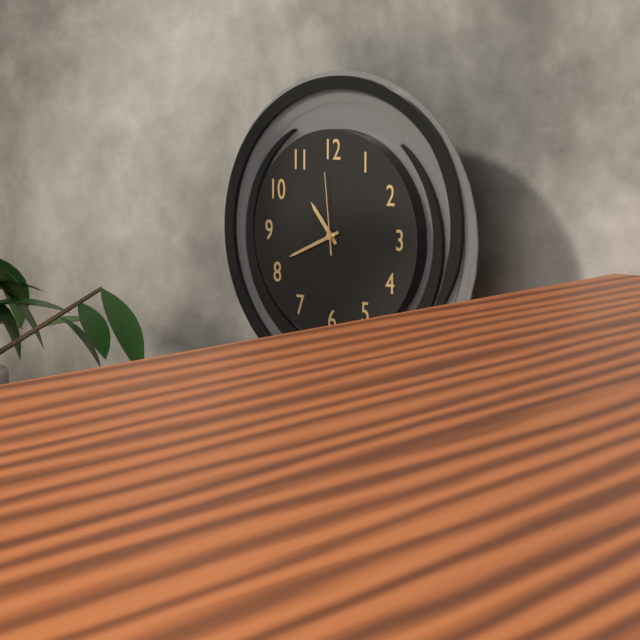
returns {"hour": 10, "minute": 41, "second": 59}
